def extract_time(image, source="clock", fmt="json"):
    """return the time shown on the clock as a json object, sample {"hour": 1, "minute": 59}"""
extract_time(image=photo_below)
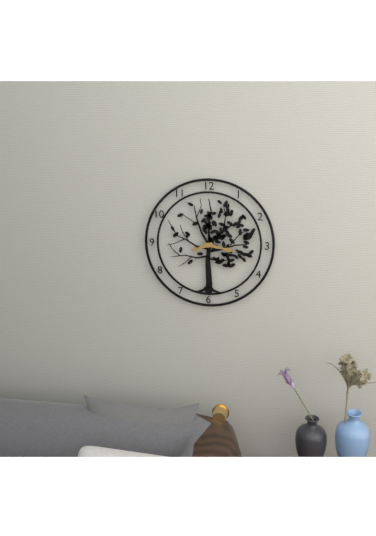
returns {"hour": 8, "minute": 17}
